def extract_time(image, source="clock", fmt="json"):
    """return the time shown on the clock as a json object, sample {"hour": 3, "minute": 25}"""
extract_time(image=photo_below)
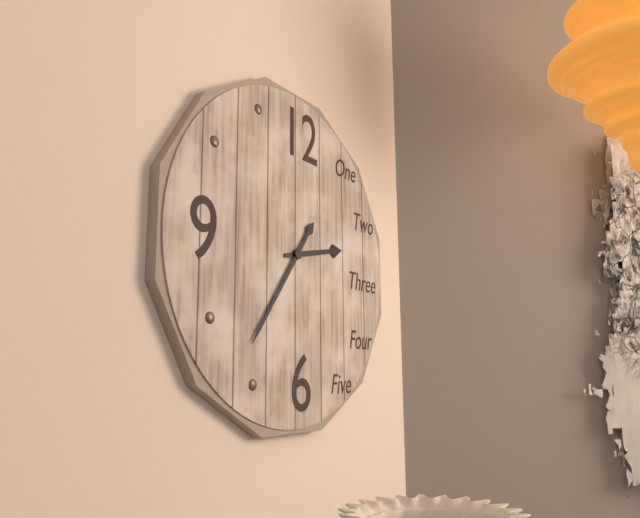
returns {"hour": 2, "minute": 36}
